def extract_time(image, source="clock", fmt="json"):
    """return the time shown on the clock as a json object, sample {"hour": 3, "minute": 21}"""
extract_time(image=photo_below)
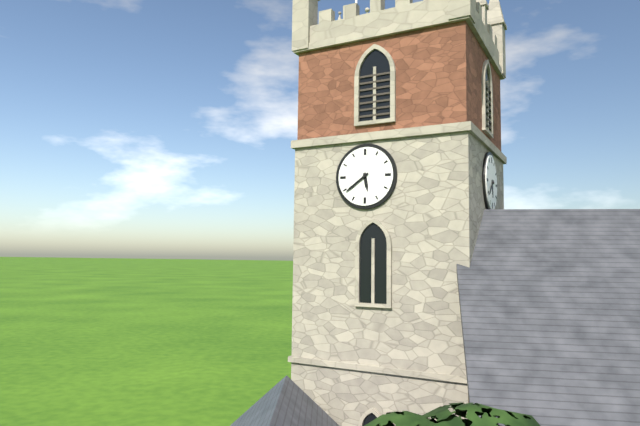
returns {"hour": 5, "minute": 39}
